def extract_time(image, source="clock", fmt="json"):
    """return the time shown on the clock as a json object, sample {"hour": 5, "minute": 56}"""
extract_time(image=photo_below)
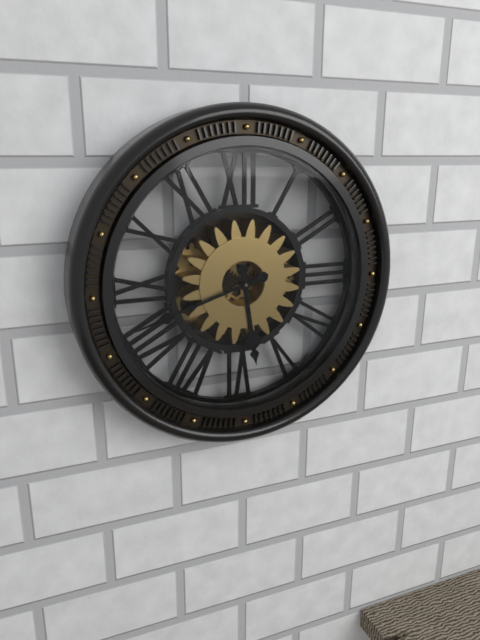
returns {"hour": 5, "minute": 42}
